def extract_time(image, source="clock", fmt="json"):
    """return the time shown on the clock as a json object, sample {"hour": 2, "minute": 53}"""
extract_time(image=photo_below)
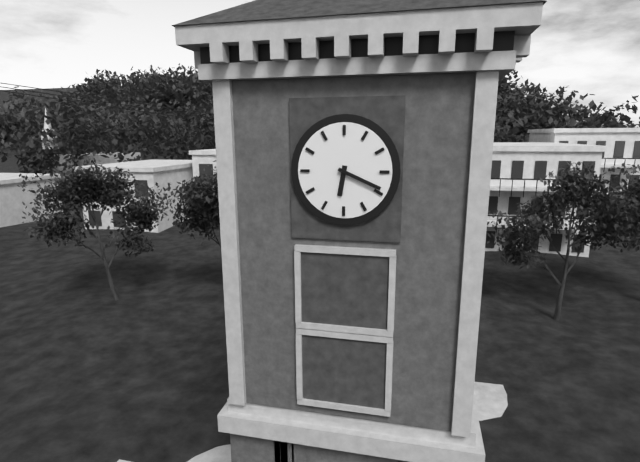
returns {"hour": 6, "minute": 19}
